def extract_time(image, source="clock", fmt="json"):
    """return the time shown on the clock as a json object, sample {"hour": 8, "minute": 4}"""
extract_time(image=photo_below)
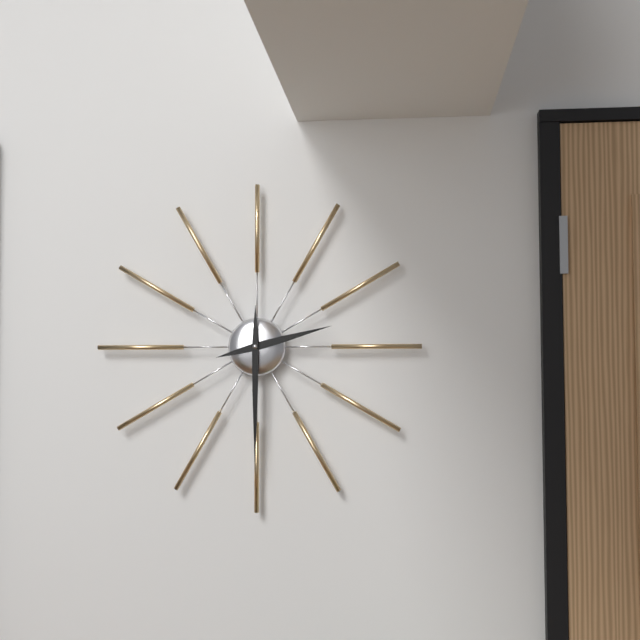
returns {"hour": 2, "minute": 30}
